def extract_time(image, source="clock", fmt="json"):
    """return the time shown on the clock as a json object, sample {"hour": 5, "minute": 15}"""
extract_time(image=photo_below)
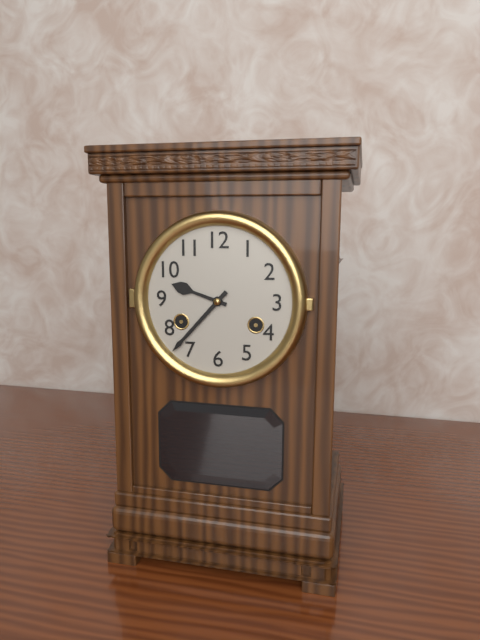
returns {"hour": 9, "minute": 37}
